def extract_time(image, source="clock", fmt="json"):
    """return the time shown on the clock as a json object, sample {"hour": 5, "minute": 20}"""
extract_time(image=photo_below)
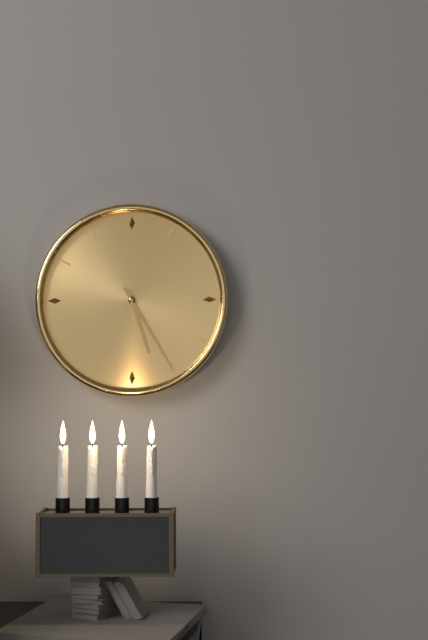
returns {"hour": 5, "minute": 25}
